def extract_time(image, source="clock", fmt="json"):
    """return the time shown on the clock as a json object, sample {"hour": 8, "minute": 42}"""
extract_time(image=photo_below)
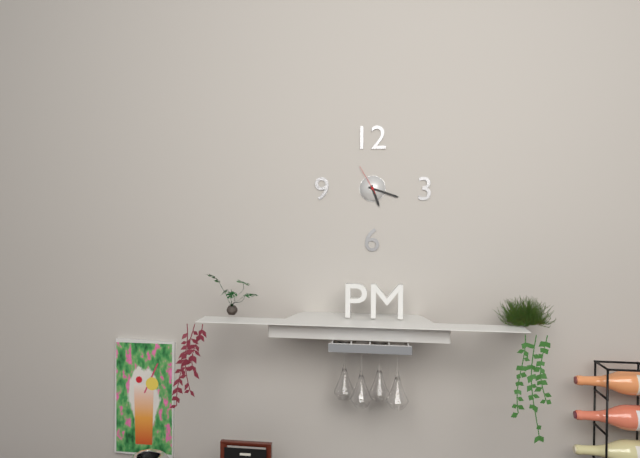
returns {"hour": 5, "minute": 18}
